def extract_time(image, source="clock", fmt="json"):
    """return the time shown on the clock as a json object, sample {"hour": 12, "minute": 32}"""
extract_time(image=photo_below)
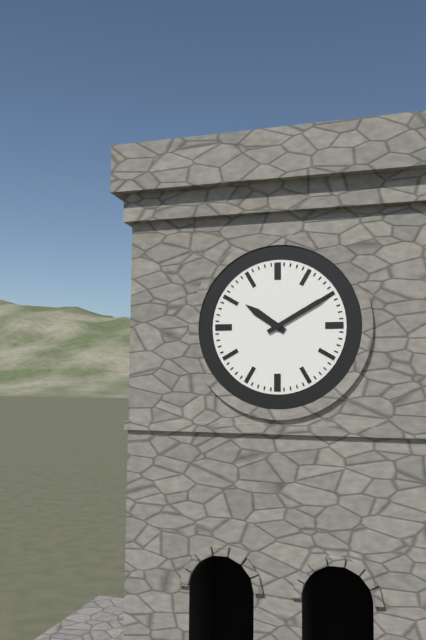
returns {"hour": 10, "minute": 10}
